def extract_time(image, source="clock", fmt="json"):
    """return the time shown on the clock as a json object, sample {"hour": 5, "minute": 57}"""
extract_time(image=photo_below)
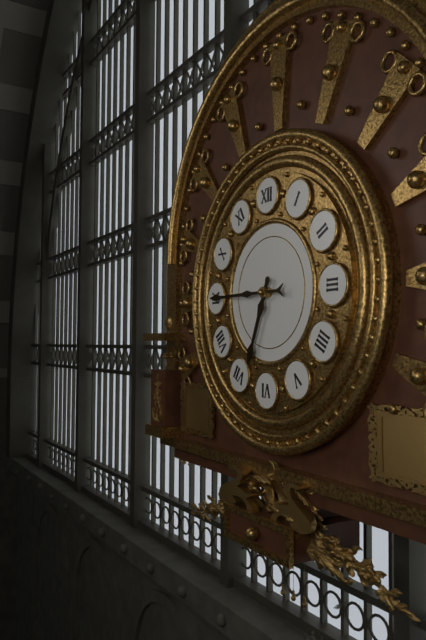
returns {"hour": 6, "minute": 45}
